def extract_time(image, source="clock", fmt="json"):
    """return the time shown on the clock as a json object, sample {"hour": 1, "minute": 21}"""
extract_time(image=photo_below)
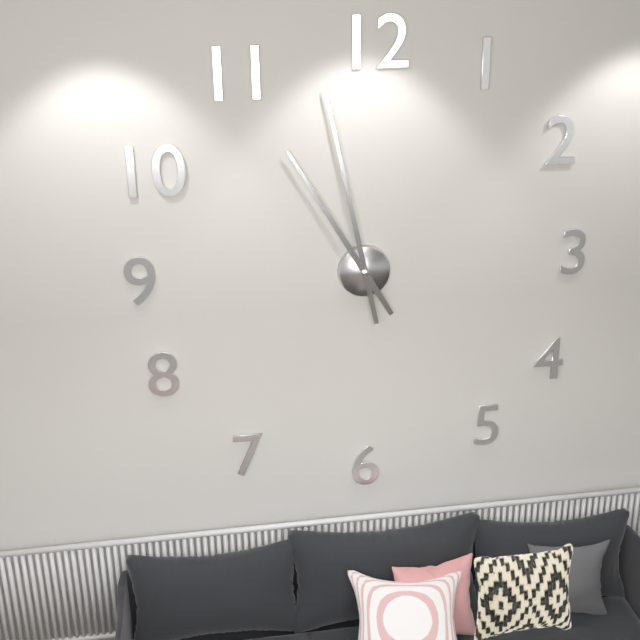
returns {"hour": 10, "minute": 58}
